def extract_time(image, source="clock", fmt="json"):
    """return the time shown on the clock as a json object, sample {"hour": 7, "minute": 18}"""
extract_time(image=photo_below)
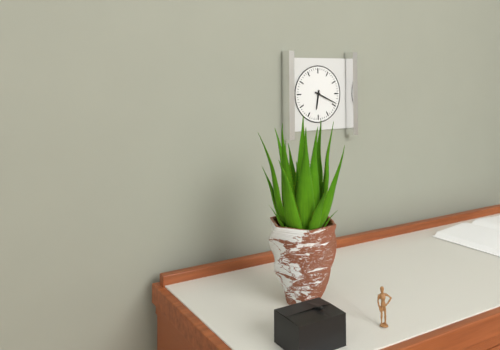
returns {"hour": 6, "minute": 19}
